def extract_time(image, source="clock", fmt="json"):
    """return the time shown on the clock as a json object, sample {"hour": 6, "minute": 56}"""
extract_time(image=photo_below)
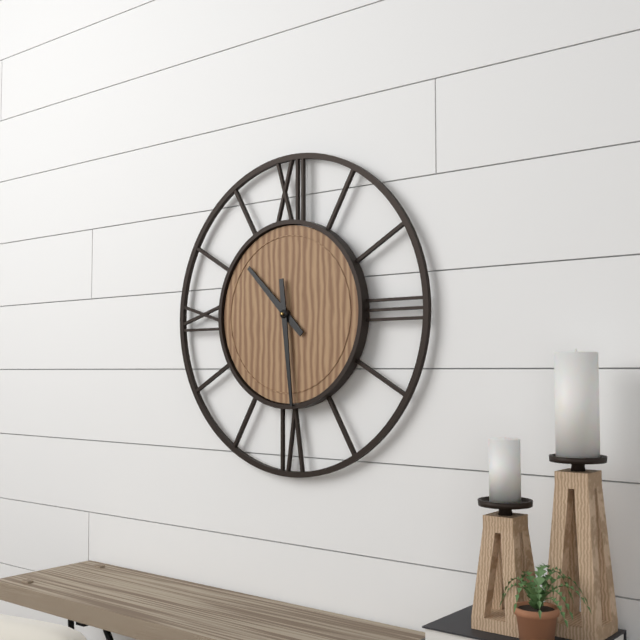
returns {"hour": 10, "minute": 29}
